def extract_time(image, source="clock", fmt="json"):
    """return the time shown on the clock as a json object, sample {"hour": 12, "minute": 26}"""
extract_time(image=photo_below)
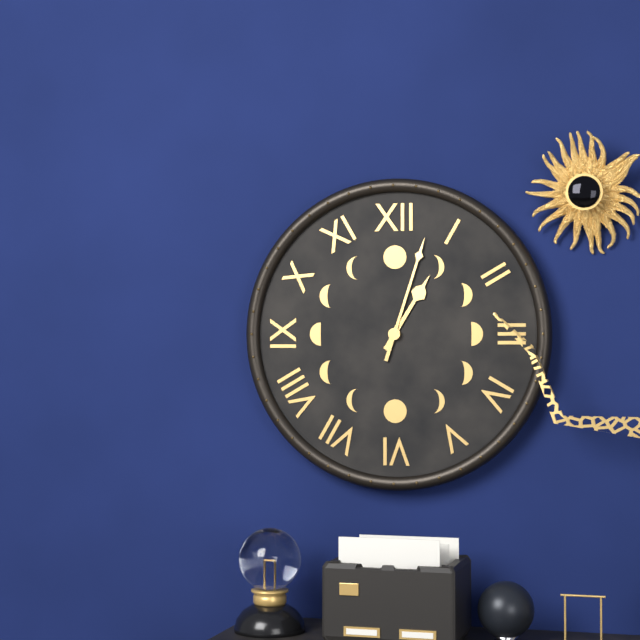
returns {"hour": 1, "minute": 3}
